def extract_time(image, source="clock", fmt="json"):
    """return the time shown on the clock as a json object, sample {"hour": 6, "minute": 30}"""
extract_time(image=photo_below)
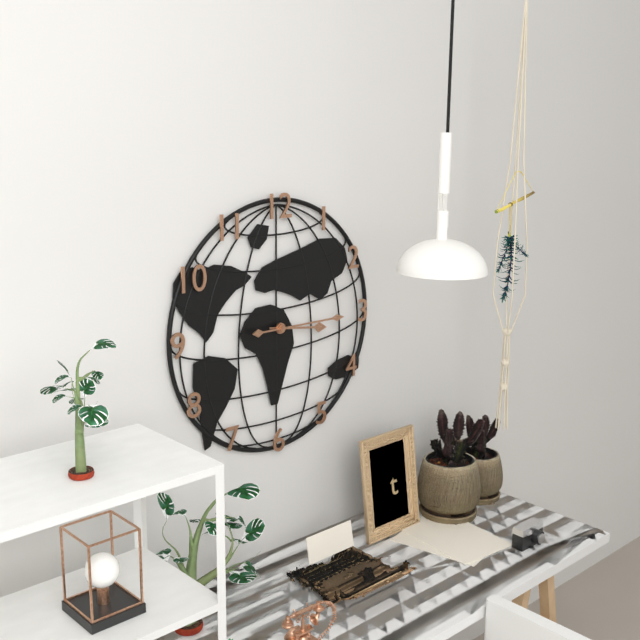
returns {"hour": 3, "minute": 15}
